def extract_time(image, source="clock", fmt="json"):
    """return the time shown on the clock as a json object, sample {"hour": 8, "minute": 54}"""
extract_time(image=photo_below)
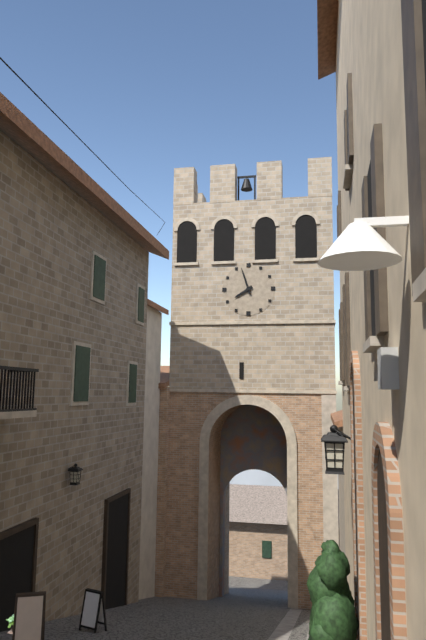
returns {"hour": 7, "minute": 57}
